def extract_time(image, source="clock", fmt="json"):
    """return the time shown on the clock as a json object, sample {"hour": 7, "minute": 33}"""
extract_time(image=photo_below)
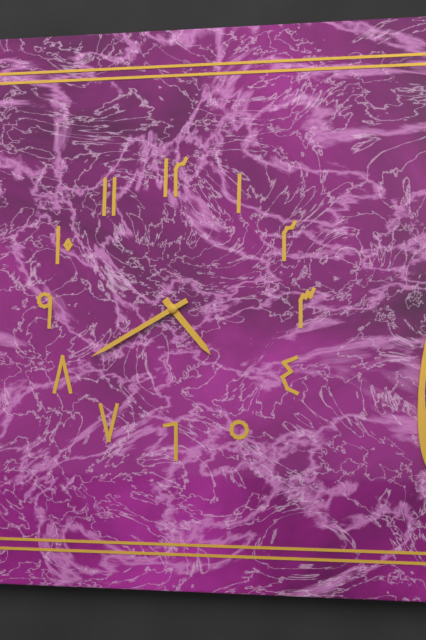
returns {"hour": 4, "minute": 40}
